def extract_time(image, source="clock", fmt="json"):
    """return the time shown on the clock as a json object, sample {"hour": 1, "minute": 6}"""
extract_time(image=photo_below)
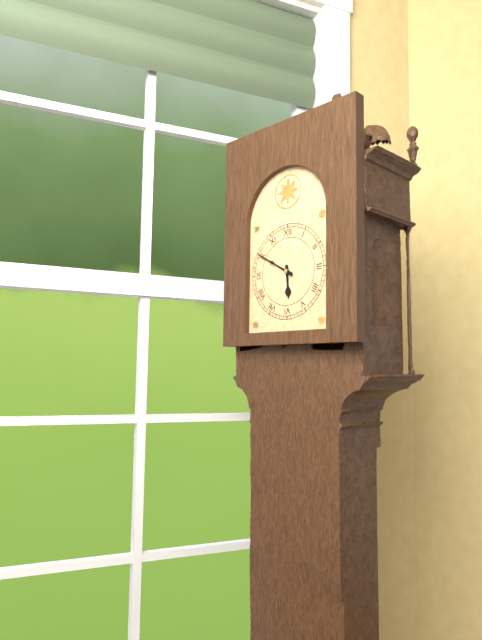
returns {"hour": 5, "minute": 50}
